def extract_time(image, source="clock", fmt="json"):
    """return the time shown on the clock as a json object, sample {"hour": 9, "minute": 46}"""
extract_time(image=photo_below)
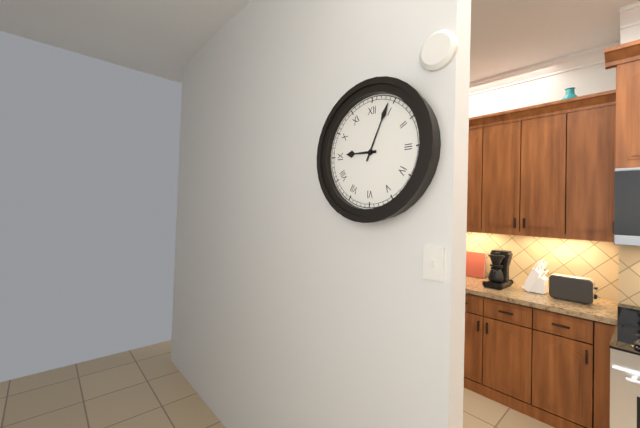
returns {"hour": 9, "minute": 4}
